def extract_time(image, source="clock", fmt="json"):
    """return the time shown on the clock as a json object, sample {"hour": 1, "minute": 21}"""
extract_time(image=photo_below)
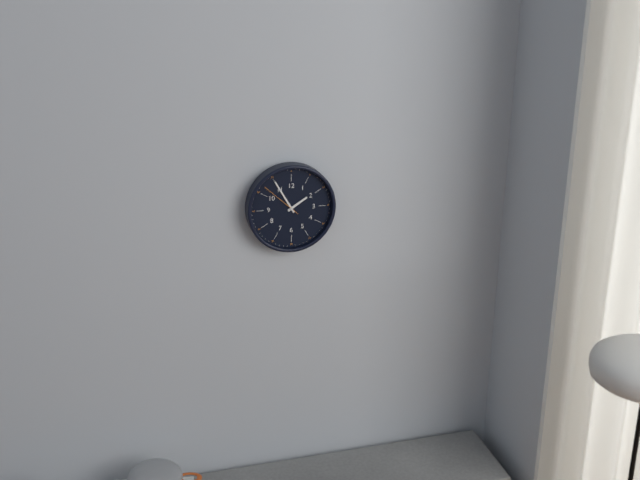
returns {"hour": 1, "minute": 55}
